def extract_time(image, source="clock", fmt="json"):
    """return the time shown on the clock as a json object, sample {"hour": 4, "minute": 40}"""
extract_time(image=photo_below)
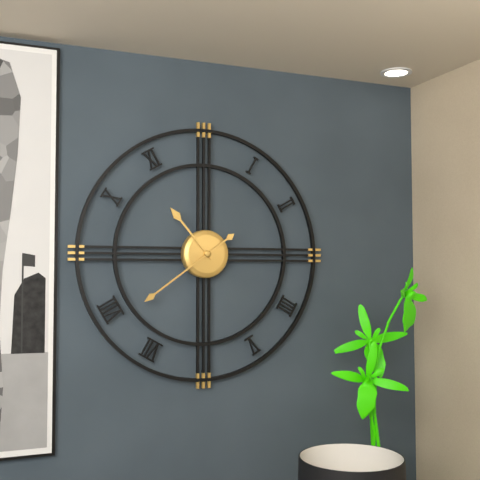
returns {"hour": 10, "minute": 39}
